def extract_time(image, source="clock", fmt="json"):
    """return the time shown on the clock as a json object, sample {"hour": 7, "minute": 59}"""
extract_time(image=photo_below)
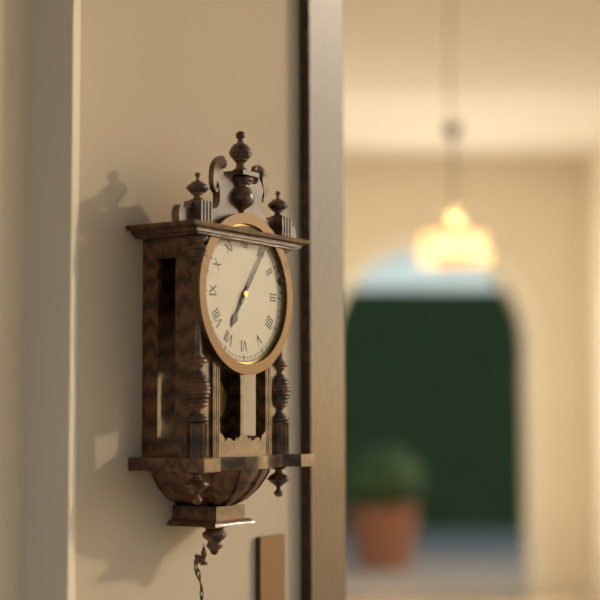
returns {"hour": 7, "minute": 6}
